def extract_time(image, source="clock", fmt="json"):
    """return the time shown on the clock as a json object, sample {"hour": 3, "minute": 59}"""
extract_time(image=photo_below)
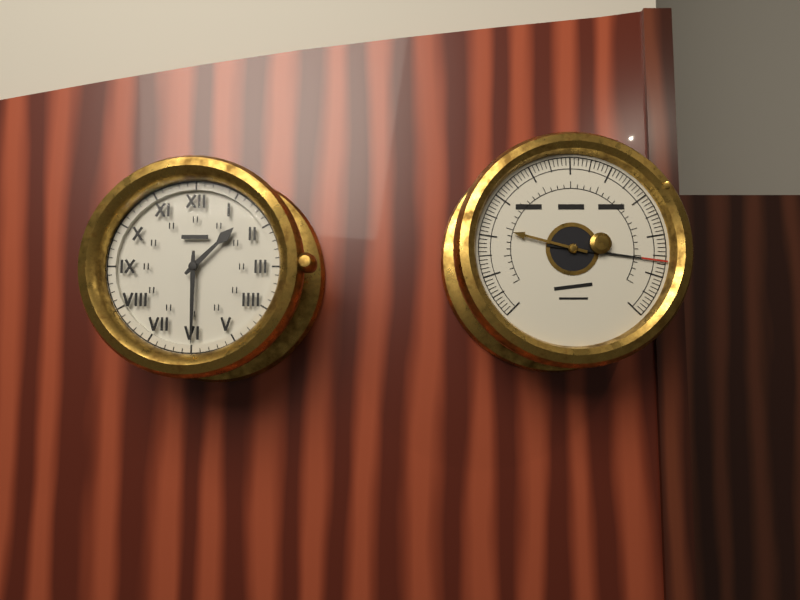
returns {"hour": 1, "minute": 30}
